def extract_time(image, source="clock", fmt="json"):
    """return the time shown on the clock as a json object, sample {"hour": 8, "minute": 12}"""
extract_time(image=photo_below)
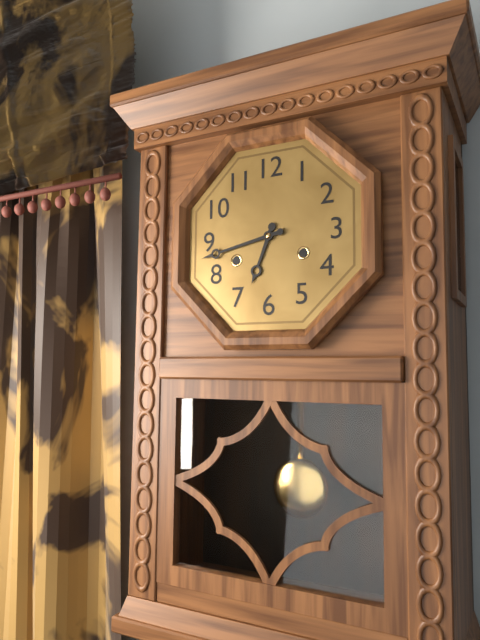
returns {"hour": 6, "minute": 43}
